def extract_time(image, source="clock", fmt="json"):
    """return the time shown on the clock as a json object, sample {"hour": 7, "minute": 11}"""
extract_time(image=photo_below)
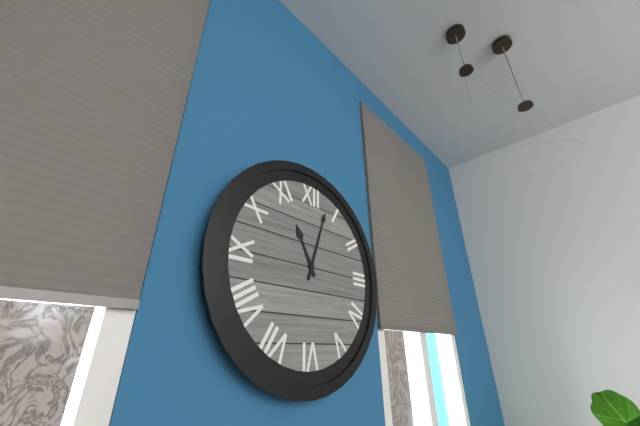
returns {"hour": 11, "minute": 3}
